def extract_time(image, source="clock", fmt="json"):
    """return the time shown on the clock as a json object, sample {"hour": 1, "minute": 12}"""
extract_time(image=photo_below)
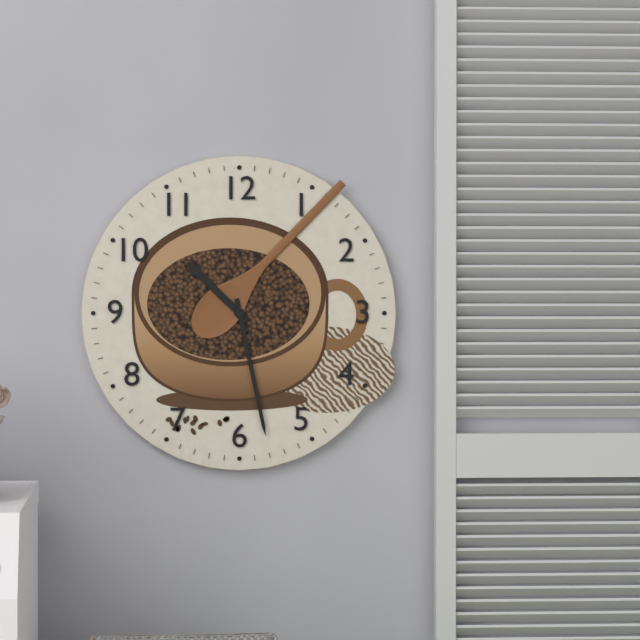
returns {"hour": 10, "minute": 28}
